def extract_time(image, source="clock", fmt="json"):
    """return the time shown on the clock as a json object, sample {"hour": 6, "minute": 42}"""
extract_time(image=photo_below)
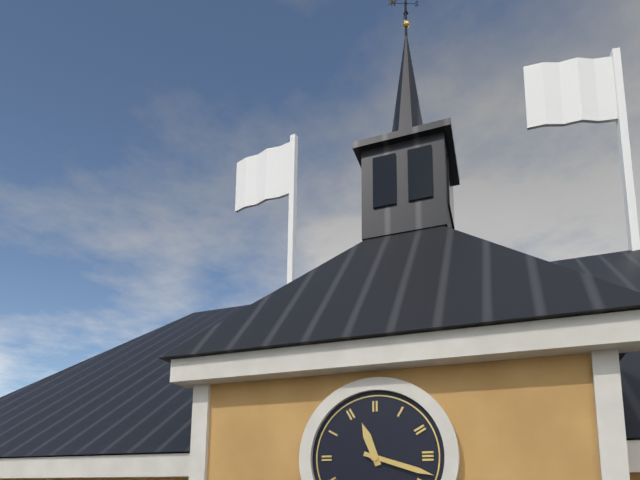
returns {"hour": 11, "minute": 18}
